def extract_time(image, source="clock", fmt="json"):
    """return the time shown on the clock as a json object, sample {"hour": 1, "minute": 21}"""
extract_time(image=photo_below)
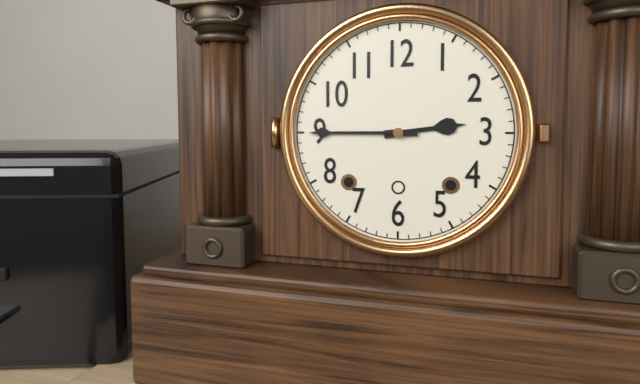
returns {"hour": 2, "minute": 45}
